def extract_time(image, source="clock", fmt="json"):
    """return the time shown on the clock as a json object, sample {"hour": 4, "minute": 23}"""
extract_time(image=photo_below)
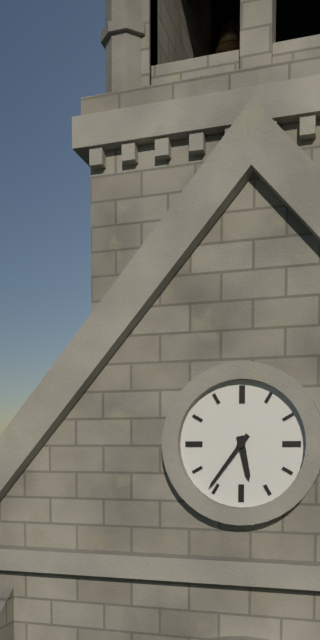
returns {"hour": 5, "minute": 36}
